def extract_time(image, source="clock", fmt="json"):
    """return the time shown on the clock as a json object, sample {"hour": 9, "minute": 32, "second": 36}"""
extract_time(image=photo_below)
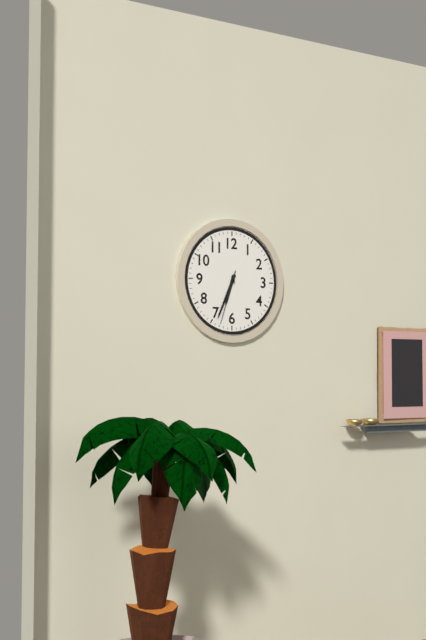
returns {"hour": 6, "minute": 34, "second": 33}
